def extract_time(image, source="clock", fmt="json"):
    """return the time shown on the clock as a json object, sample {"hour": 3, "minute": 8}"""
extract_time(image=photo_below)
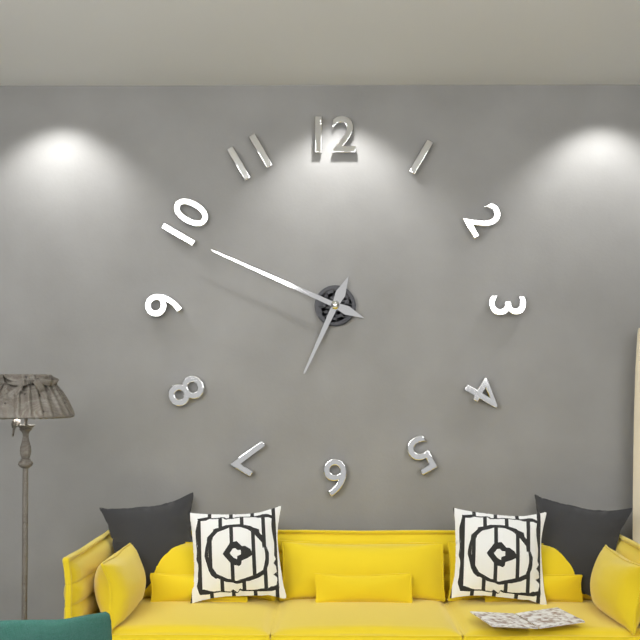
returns {"hour": 6, "minute": 49}
